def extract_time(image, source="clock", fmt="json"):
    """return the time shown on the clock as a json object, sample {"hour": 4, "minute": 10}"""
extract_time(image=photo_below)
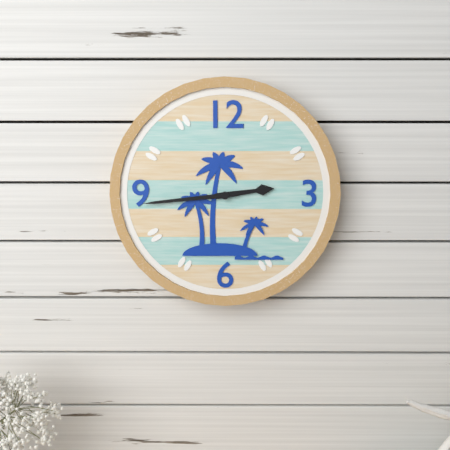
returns {"hour": 2, "minute": 44}
